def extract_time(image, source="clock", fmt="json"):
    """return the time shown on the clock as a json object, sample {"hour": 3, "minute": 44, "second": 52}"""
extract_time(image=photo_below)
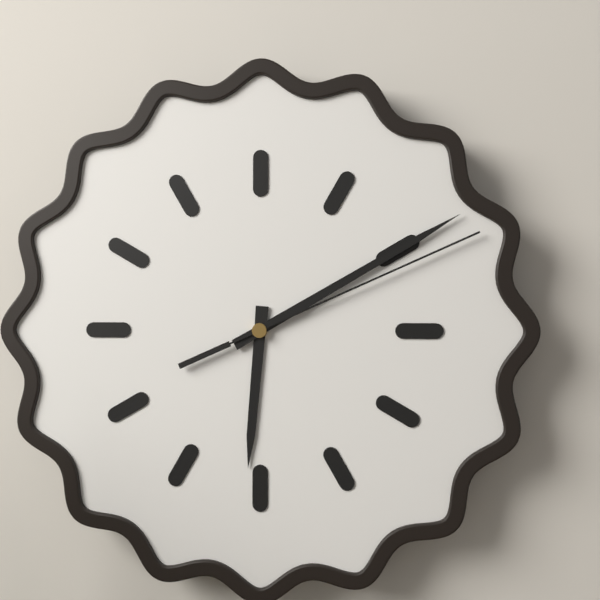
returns {"hour": 6, "minute": 10, "second": 11}
